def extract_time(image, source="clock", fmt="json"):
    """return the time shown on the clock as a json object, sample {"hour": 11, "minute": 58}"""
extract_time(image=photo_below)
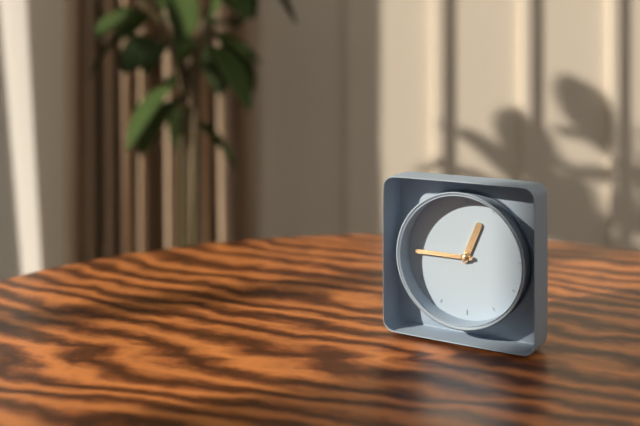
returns {"hour": 12, "minute": 45}
